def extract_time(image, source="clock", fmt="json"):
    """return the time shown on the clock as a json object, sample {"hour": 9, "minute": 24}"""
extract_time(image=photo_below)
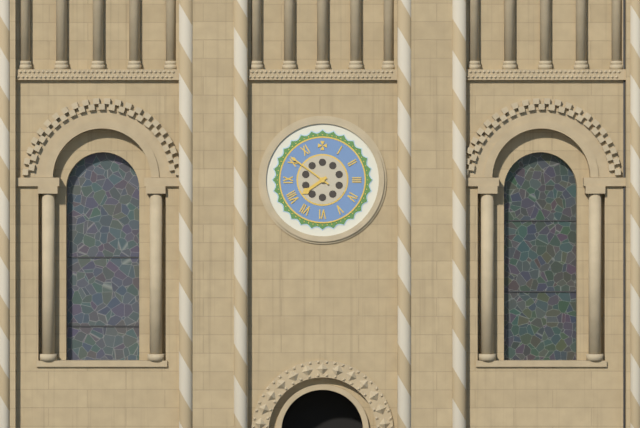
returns {"hour": 7, "minute": 51}
